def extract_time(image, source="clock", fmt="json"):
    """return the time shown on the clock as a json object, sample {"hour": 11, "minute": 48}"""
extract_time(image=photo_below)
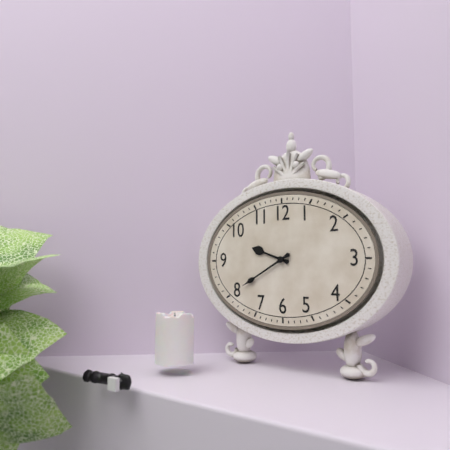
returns {"hour": 9, "minute": 40}
